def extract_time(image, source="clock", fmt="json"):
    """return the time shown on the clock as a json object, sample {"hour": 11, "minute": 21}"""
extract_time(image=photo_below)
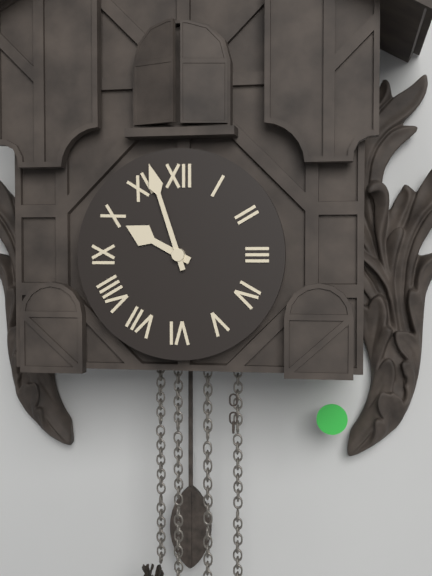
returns {"hour": 9, "minute": 57}
